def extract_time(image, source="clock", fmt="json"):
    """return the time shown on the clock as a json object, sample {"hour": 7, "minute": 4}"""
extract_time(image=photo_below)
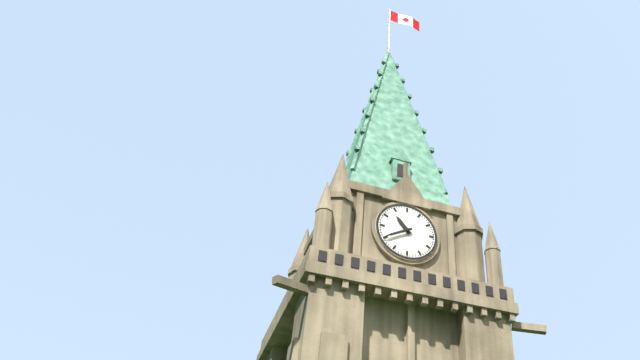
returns {"hour": 10, "minute": 40}
